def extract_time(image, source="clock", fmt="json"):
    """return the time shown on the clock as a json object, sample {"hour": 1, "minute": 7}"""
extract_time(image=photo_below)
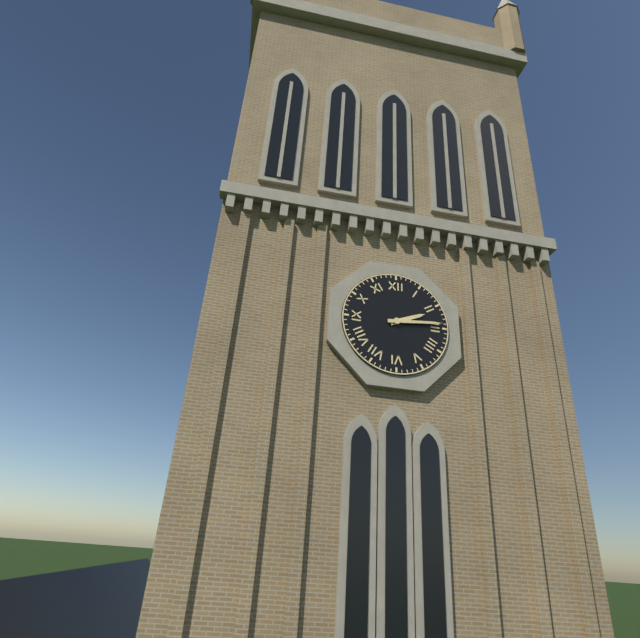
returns {"hour": 2, "minute": 14}
